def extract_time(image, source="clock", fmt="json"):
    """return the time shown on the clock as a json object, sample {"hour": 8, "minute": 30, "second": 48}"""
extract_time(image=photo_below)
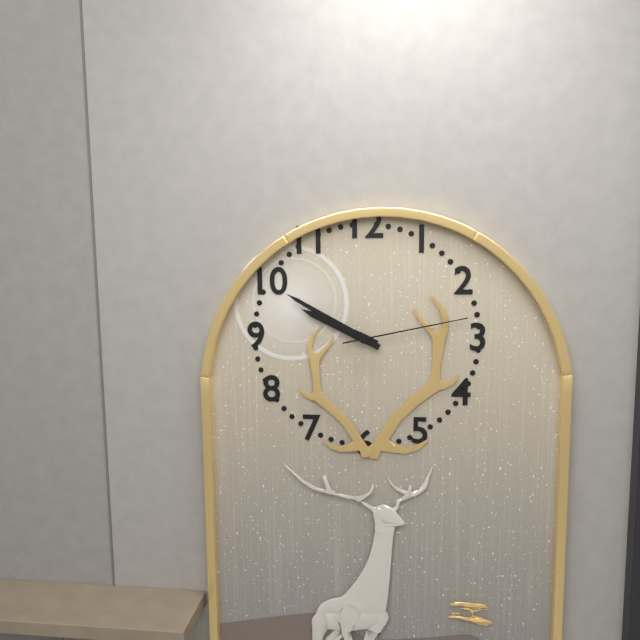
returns {"hour": 9, "minute": 50, "second": 13}
